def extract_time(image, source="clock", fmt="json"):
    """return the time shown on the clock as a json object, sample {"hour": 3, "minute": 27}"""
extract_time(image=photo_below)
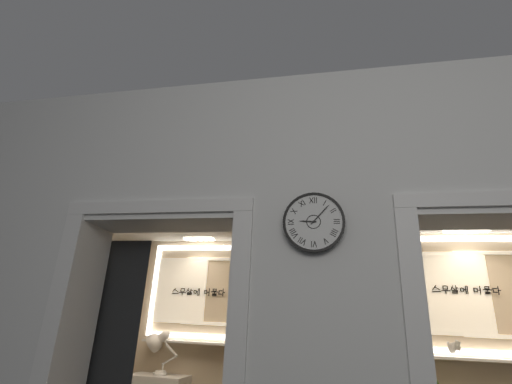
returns {"hour": 9, "minute": 7}
